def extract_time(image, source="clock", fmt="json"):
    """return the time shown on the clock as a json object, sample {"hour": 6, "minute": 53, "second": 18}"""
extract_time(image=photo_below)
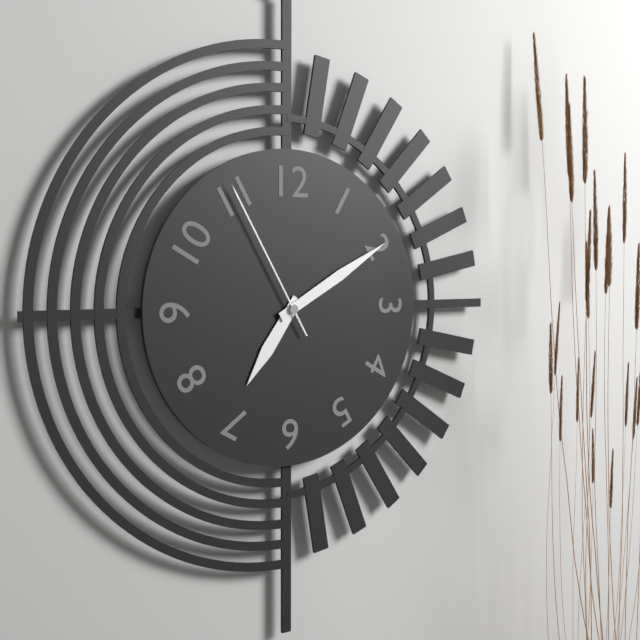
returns {"hour": 7, "minute": 10, "second": 55}
